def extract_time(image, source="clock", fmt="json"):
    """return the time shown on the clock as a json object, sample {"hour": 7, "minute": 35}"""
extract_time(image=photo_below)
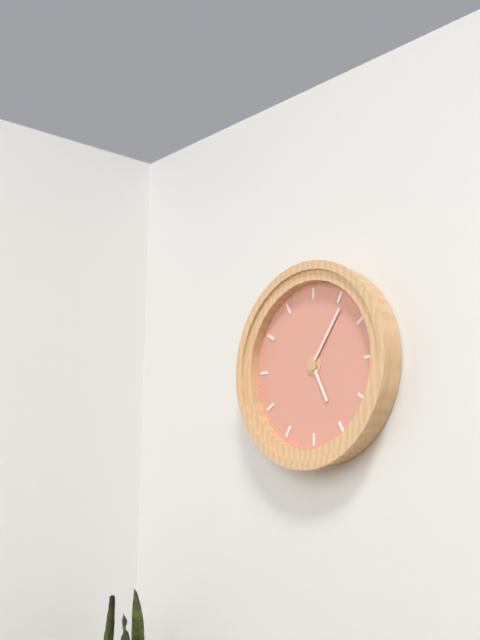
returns {"hour": 5, "minute": 6}
